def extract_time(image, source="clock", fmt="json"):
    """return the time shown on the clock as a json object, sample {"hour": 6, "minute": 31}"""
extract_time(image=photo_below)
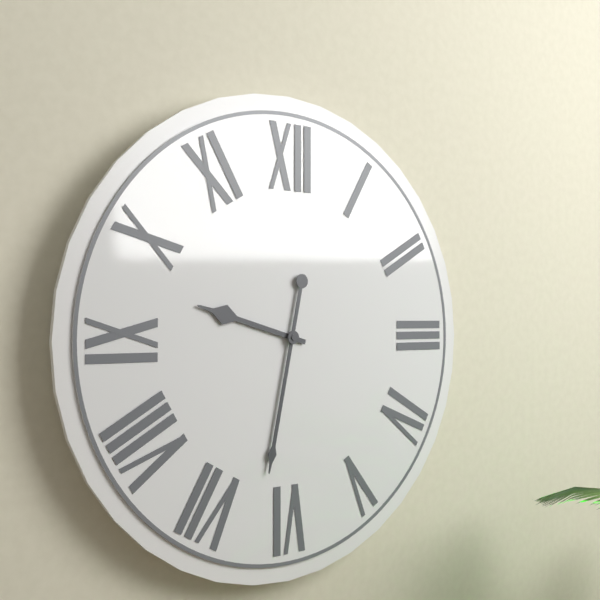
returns {"hour": 9, "minute": 32}
